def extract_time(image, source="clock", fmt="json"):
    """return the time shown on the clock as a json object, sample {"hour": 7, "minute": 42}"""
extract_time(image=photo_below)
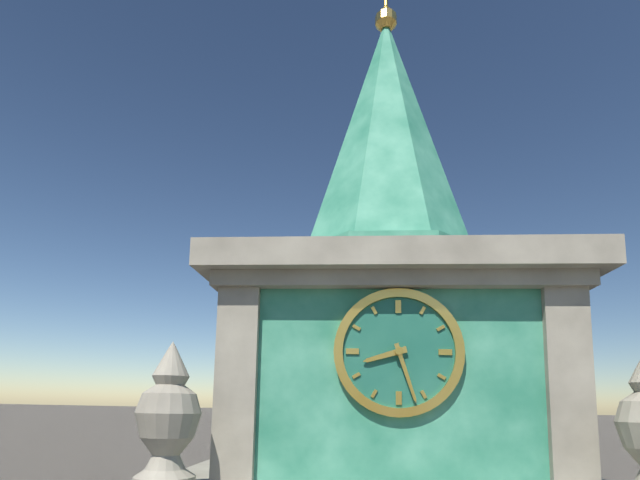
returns {"hour": 8, "minute": 27}
